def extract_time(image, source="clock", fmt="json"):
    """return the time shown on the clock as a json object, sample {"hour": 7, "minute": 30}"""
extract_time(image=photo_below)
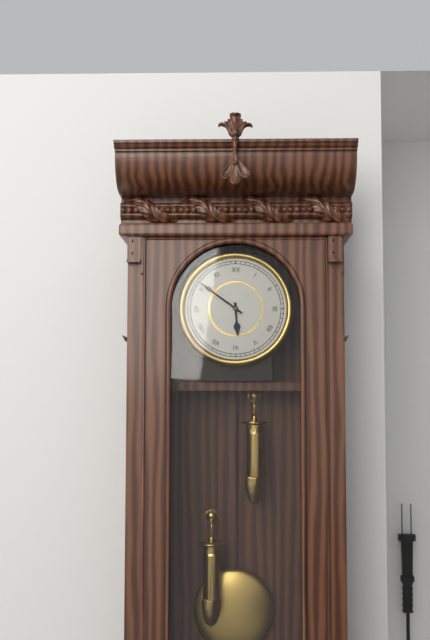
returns {"hour": 5, "minute": 51}
